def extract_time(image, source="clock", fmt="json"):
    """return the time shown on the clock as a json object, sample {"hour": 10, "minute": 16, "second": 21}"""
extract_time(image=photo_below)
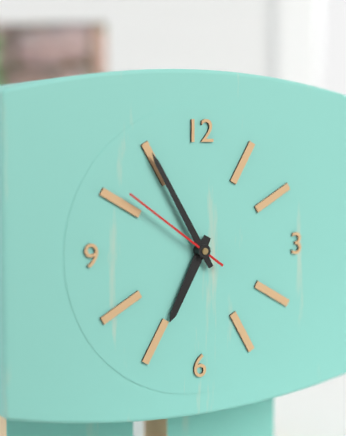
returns {"hour": 6, "minute": 55, "second": 51}
